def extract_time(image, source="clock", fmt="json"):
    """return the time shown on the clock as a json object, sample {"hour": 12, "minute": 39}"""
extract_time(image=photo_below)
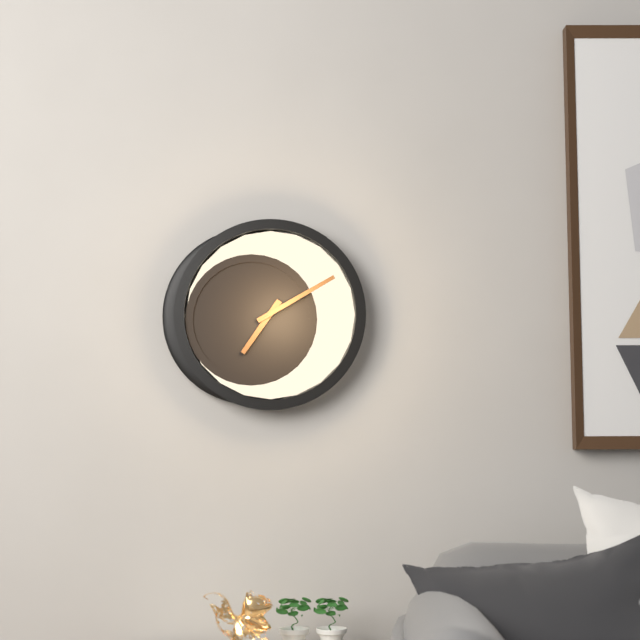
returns {"hour": 7, "minute": 10}
